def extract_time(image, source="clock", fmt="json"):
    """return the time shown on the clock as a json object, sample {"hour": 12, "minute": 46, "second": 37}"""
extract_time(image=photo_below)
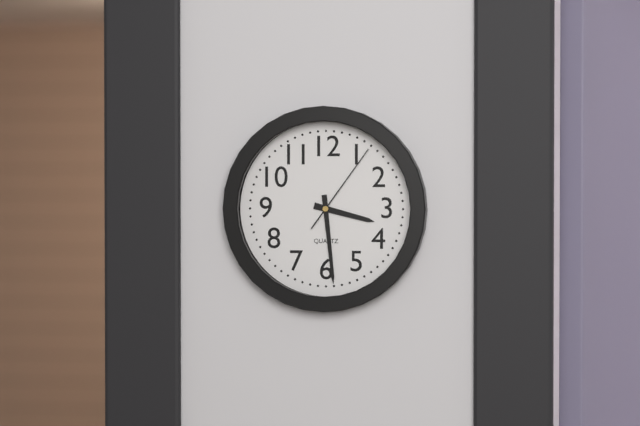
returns {"hour": 3, "minute": 29, "second": 6}
